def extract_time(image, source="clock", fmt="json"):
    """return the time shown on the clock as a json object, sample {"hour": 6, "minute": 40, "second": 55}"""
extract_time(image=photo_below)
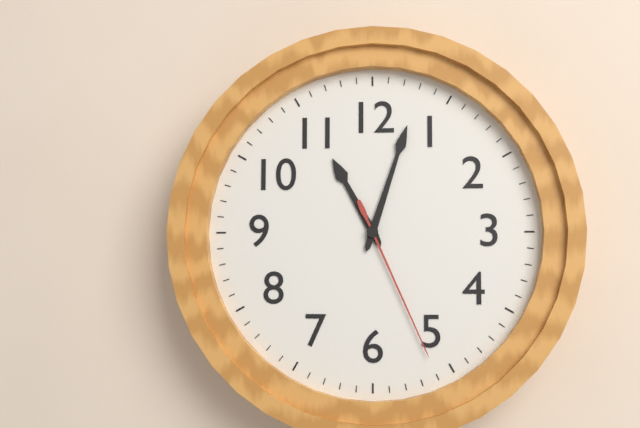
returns {"hour": 11, "minute": 3, "second": 26}
